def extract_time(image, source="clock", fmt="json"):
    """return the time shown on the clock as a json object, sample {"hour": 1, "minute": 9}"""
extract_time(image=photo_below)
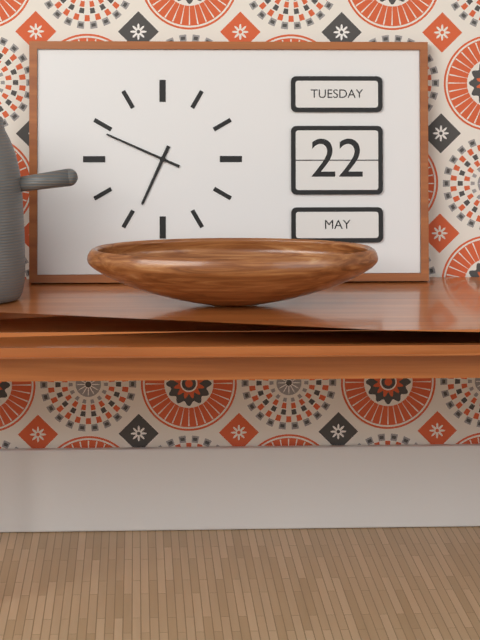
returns {"hour": 6, "minute": 49}
